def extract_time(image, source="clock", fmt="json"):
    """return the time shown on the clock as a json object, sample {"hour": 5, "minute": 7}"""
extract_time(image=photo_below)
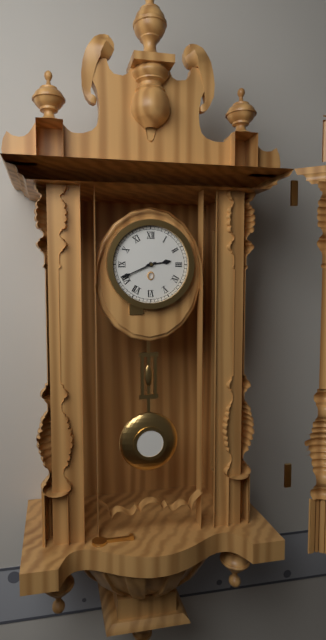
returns {"hour": 2, "minute": 41}
